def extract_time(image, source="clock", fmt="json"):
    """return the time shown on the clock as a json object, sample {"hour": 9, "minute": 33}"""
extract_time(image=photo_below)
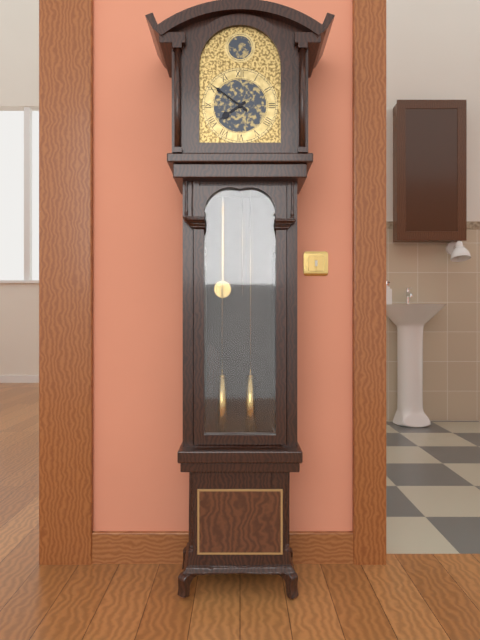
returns {"hour": 7, "minute": 51}
